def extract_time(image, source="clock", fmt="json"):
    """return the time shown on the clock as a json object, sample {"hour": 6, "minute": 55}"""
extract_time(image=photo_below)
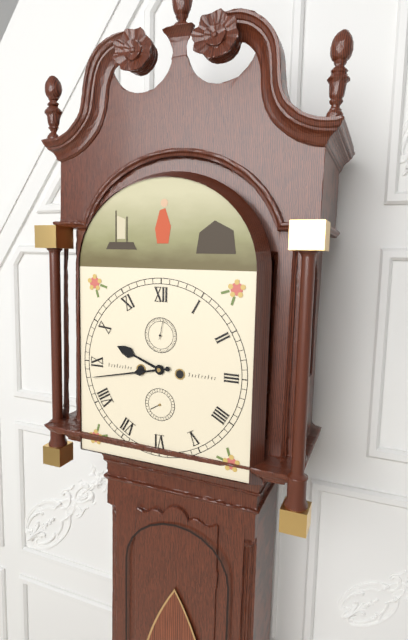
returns {"hour": 9, "minute": 43}
